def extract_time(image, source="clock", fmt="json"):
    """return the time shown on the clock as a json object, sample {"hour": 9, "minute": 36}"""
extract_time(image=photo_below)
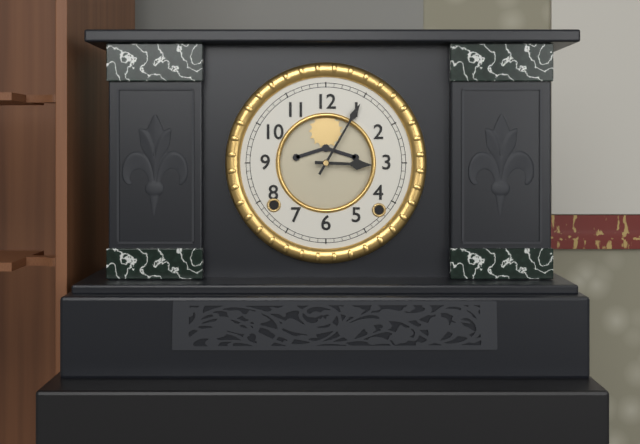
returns {"hour": 3, "minute": 5}
